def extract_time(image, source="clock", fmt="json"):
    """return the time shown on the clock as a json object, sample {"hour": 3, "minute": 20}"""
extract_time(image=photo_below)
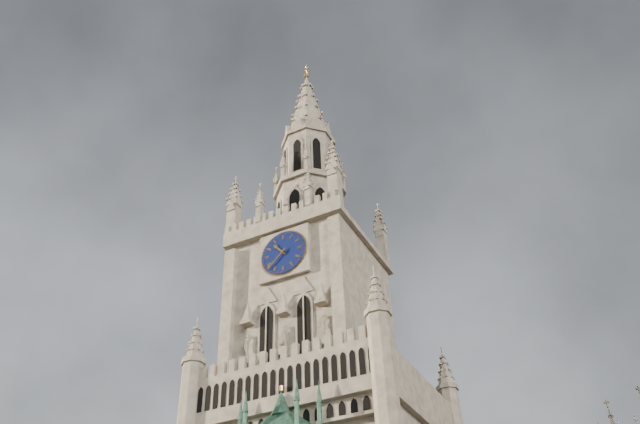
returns {"hour": 10, "minute": 38}
